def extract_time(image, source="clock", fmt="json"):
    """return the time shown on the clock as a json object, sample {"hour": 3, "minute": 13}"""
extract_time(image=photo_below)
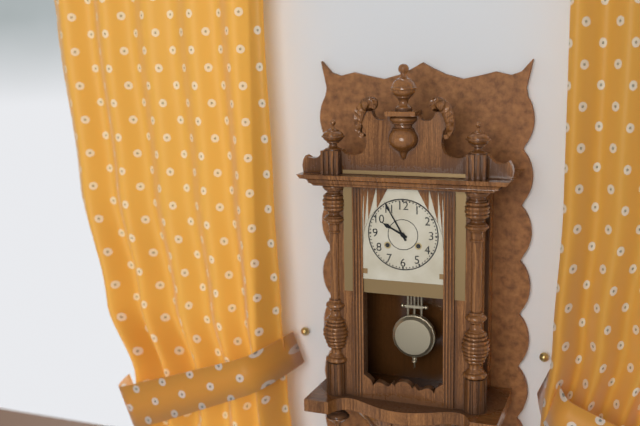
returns {"hour": 9, "minute": 55}
